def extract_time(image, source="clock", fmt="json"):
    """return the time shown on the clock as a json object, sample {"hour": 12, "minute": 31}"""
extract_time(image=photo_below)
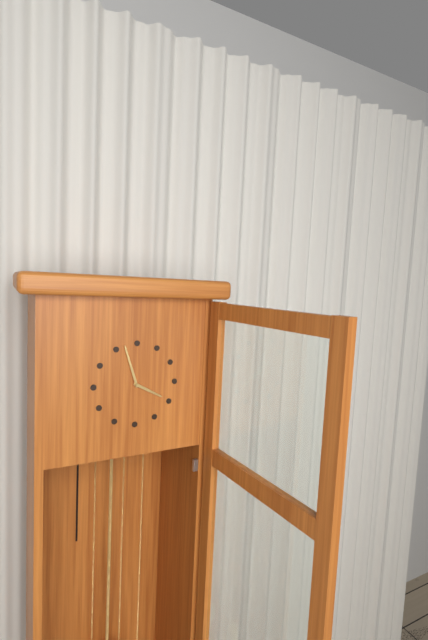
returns {"hour": 3, "minute": 57}
